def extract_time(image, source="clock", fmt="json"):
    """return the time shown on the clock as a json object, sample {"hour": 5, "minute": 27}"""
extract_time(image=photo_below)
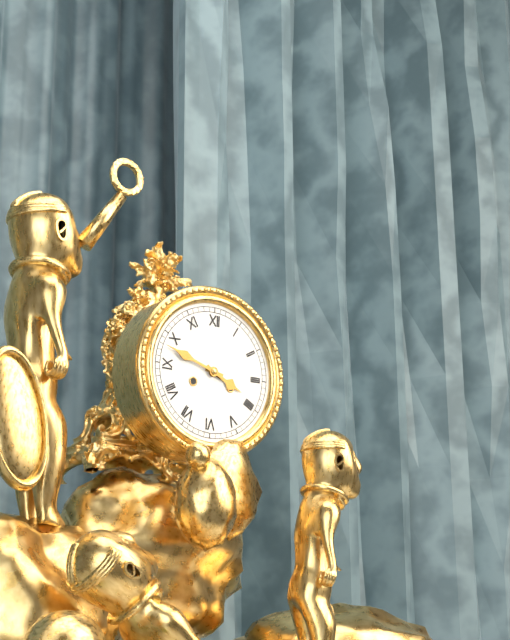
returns {"hour": 3, "minute": 48}
